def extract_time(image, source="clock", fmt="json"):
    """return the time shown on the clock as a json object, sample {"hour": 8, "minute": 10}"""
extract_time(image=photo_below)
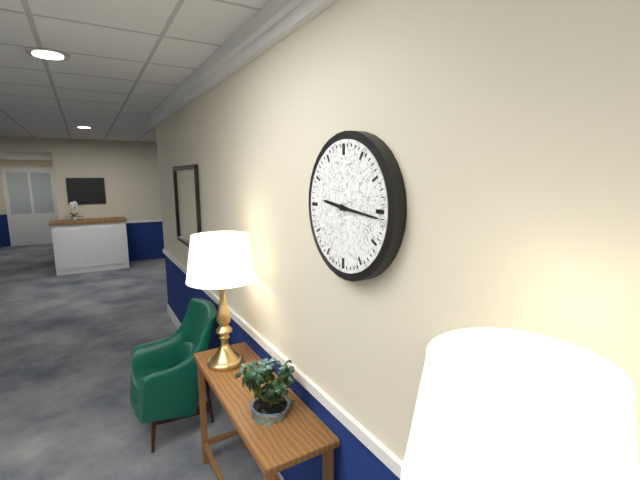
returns {"hour": 9, "minute": 16}
